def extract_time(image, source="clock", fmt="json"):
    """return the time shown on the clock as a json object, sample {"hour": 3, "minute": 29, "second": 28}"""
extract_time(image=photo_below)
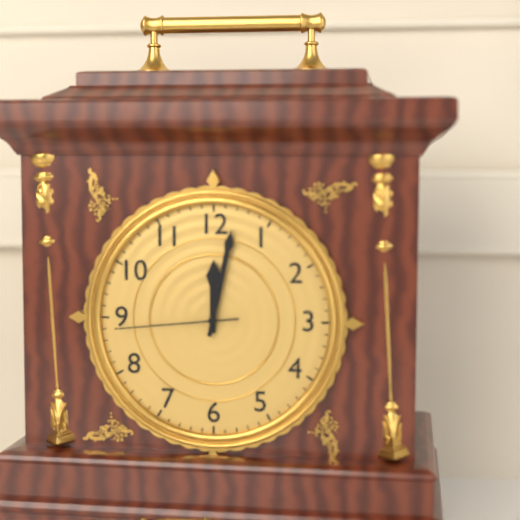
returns {"hour": 12, "minute": 2, "second": 44}
